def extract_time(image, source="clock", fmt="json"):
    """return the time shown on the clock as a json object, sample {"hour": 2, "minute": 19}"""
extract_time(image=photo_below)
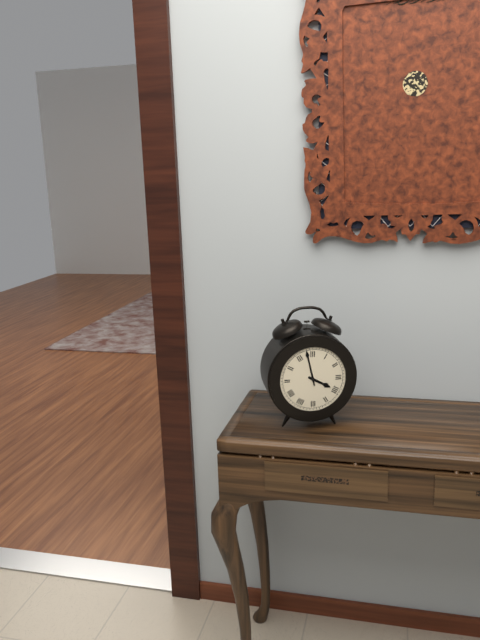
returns {"hour": 3, "minute": 58}
